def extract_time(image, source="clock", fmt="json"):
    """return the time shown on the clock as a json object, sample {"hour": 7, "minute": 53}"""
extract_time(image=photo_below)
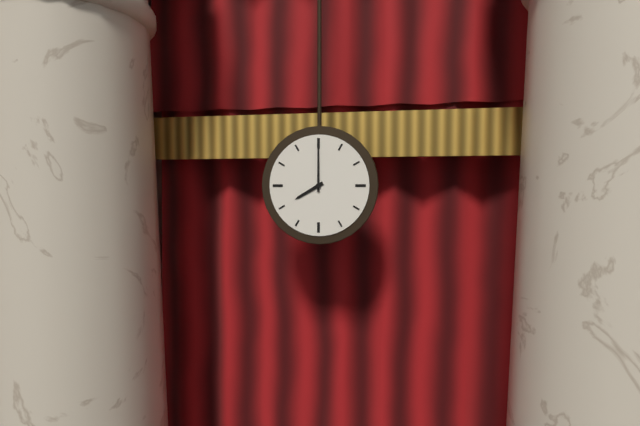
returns {"hour": 8, "minute": 0}
